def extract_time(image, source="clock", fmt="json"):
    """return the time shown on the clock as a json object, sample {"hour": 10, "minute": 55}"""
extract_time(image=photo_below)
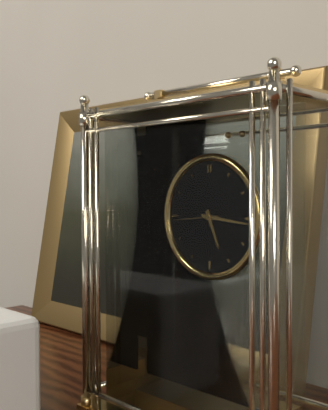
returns {"hour": 5, "minute": 16}
